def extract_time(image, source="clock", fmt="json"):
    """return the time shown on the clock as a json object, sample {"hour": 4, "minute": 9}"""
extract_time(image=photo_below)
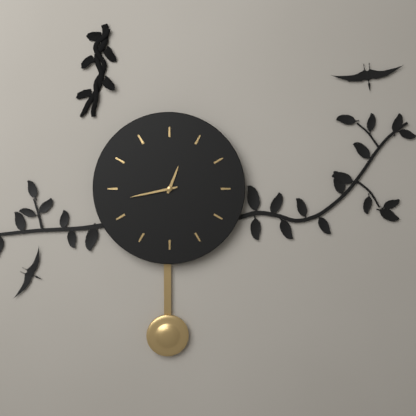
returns {"hour": 12, "minute": 43}
